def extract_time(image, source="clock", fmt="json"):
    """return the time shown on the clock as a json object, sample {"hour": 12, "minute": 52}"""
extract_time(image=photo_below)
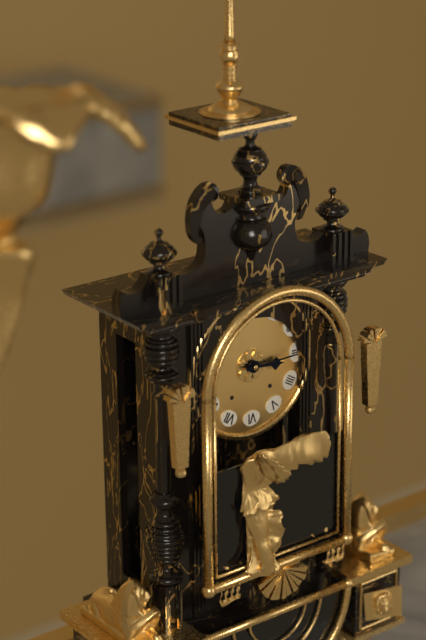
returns {"hour": 3, "minute": 15}
